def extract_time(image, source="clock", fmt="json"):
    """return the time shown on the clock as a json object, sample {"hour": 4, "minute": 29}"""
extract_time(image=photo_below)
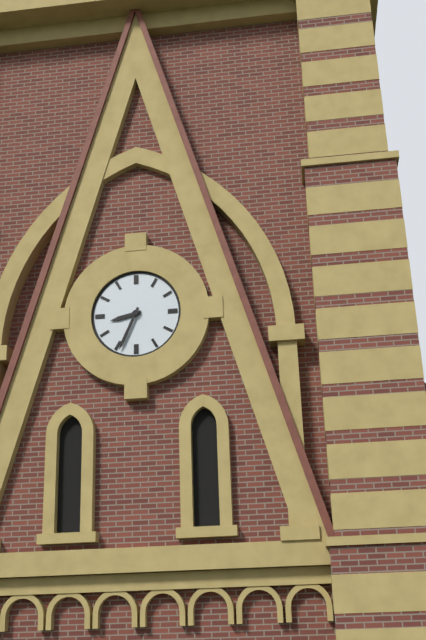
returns {"hour": 8, "minute": 34}
